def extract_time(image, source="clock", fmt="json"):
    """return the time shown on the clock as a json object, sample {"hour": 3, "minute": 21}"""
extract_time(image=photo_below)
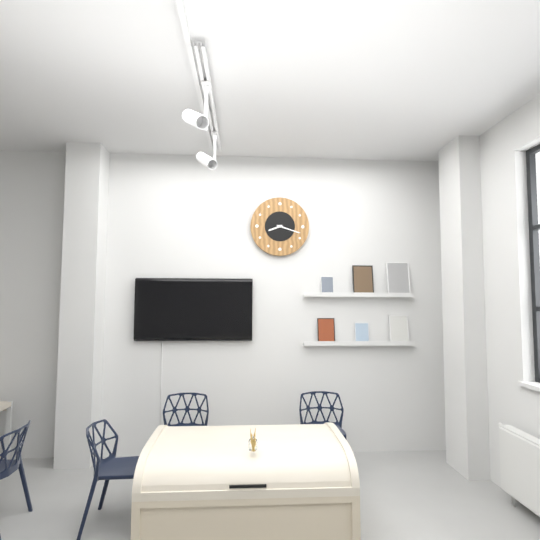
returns {"hour": 8, "minute": 18}
